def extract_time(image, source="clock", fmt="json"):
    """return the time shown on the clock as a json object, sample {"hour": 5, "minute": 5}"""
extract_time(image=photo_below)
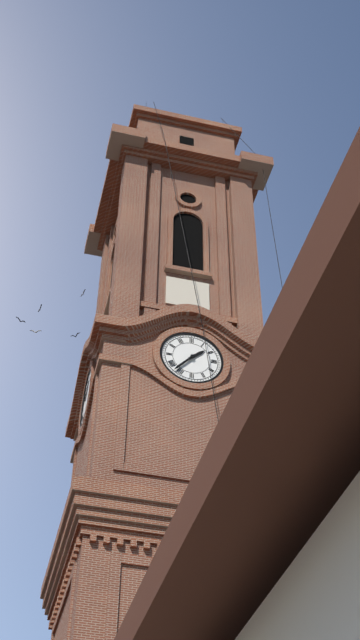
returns {"hour": 1, "minute": 37}
